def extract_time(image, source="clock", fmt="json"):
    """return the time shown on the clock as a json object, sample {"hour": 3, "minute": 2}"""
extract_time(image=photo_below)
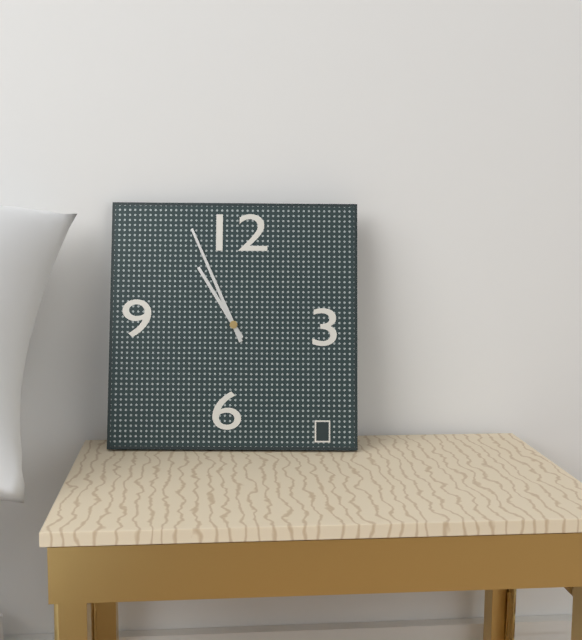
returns {"hour": 10, "minute": 56}
